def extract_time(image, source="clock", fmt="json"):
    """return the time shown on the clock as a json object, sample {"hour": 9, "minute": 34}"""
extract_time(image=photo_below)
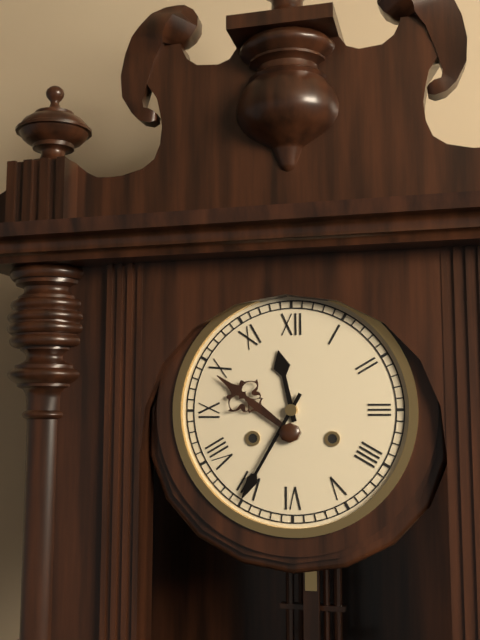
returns {"hour": 11, "minute": 35}
